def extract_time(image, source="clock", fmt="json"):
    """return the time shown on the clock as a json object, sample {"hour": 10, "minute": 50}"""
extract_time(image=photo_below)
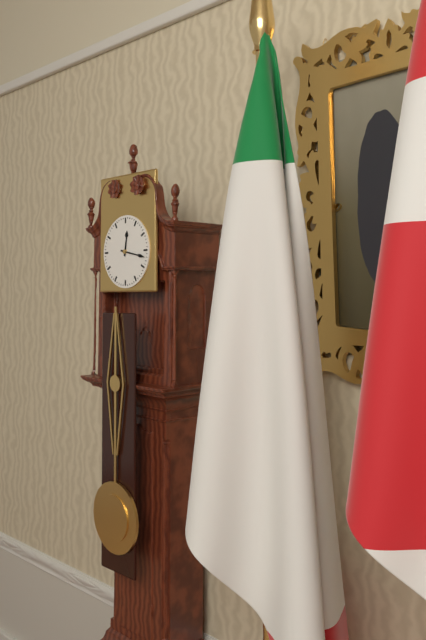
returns {"hour": 12, "minute": 17}
